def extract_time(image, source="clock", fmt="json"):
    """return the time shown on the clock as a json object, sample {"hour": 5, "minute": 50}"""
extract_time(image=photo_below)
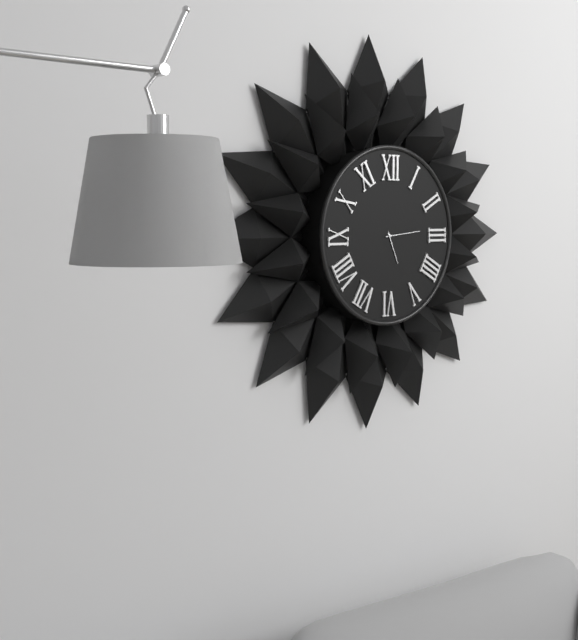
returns {"hour": 5, "minute": 14}
